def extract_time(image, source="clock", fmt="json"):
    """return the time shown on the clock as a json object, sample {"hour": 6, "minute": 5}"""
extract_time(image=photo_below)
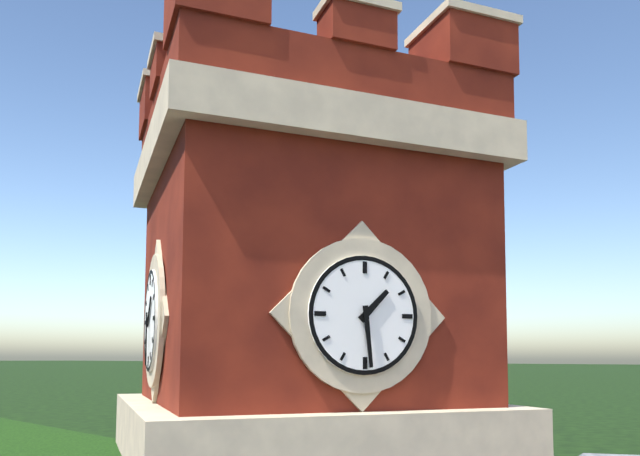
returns {"hour": 1, "minute": 29}
